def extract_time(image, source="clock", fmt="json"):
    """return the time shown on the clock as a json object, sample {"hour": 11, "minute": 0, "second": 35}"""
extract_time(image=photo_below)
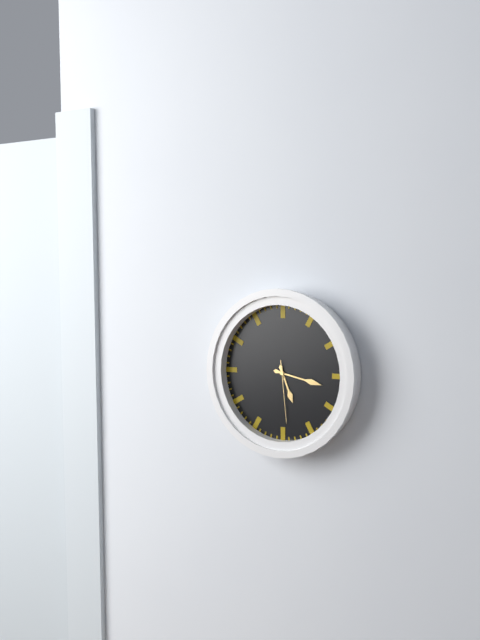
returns {"hour": 5, "minute": 17, "second": 29}
